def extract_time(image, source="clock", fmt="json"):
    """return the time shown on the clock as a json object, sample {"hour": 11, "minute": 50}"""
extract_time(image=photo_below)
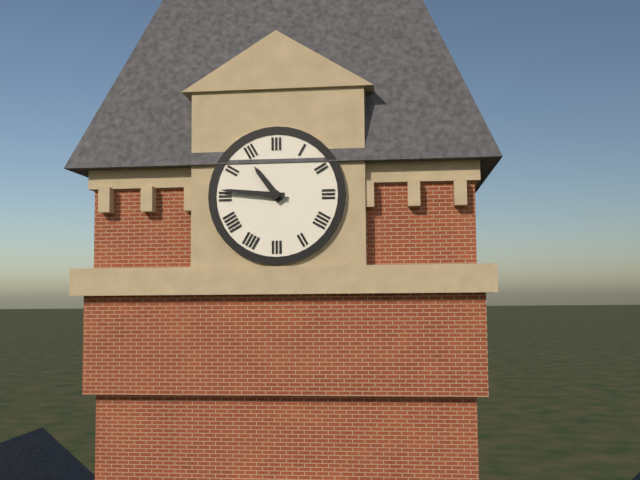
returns {"hour": 10, "minute": 46}
